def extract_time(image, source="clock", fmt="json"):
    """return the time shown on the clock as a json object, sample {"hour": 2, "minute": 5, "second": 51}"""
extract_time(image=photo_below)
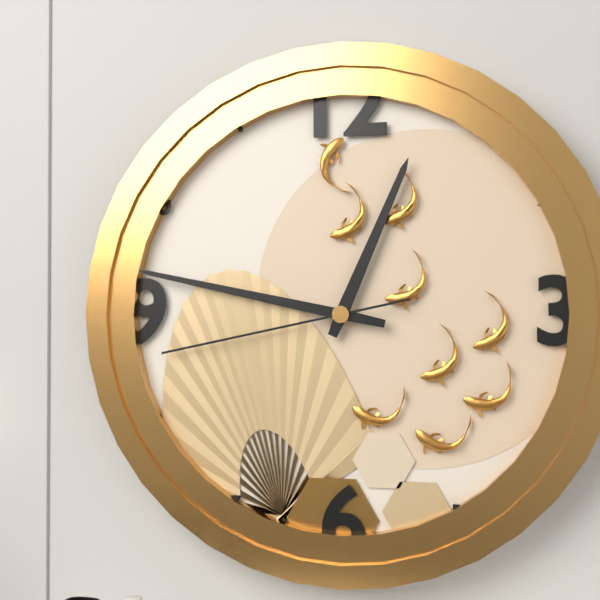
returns {"hour": 12, "minute": 47, "second": 43}
